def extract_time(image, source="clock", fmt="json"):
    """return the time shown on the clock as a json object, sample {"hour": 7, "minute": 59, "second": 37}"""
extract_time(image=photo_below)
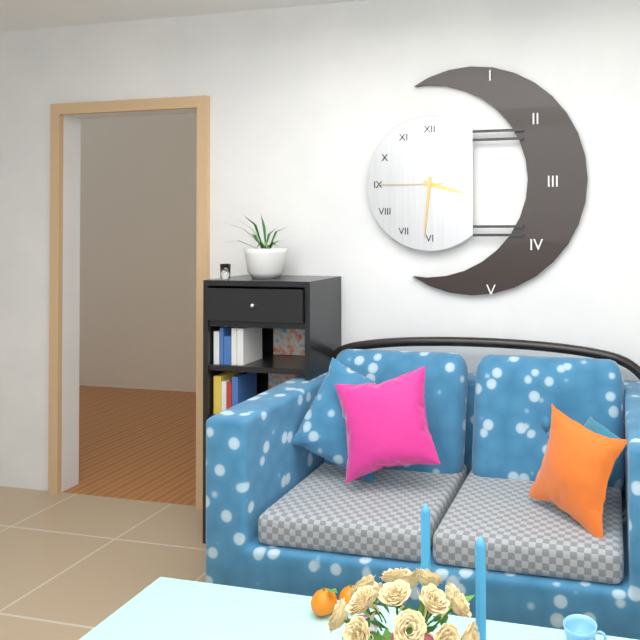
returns {"hour": 3, "minute": 31, "second": 45}
